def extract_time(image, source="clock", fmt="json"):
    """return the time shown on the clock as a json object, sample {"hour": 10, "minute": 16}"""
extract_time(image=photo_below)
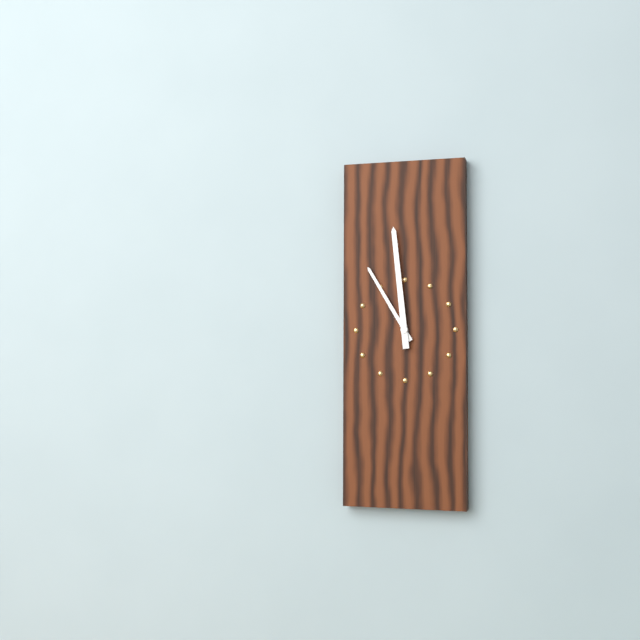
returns {"hour": 10, "minute": 59}
